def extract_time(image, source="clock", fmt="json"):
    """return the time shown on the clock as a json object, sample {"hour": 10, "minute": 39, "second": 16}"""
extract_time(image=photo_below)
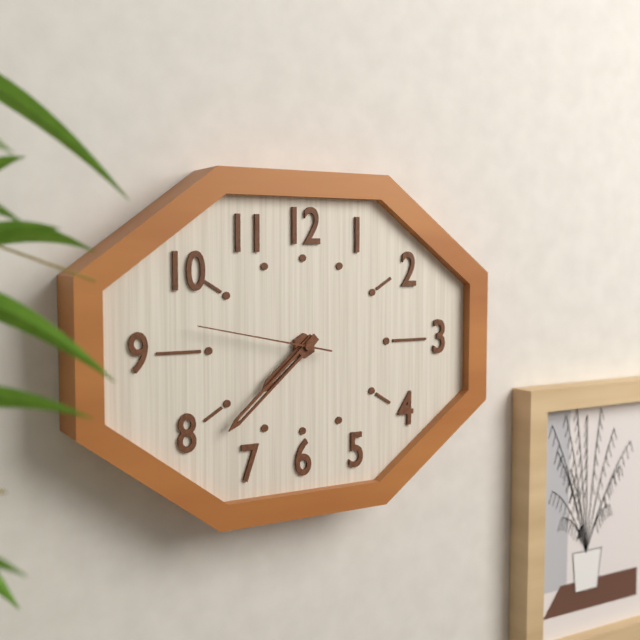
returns {"hour": 7, "minute": 38, "second": 47}
